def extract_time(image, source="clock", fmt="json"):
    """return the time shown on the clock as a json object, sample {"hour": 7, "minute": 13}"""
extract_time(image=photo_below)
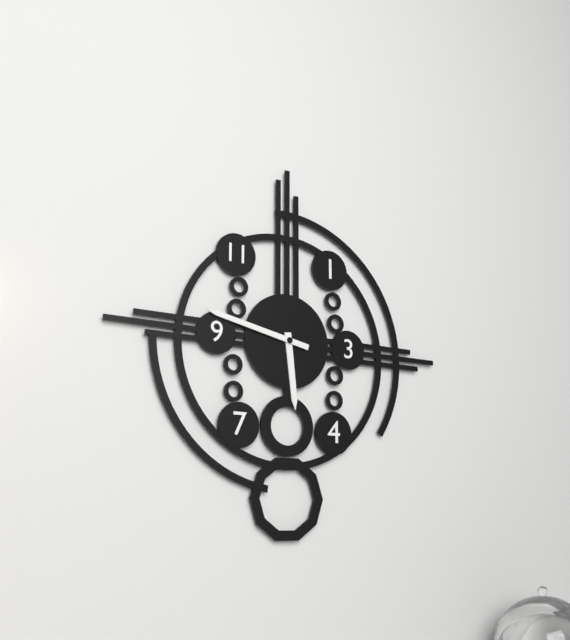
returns {"hour": 5, "minute": 47}
